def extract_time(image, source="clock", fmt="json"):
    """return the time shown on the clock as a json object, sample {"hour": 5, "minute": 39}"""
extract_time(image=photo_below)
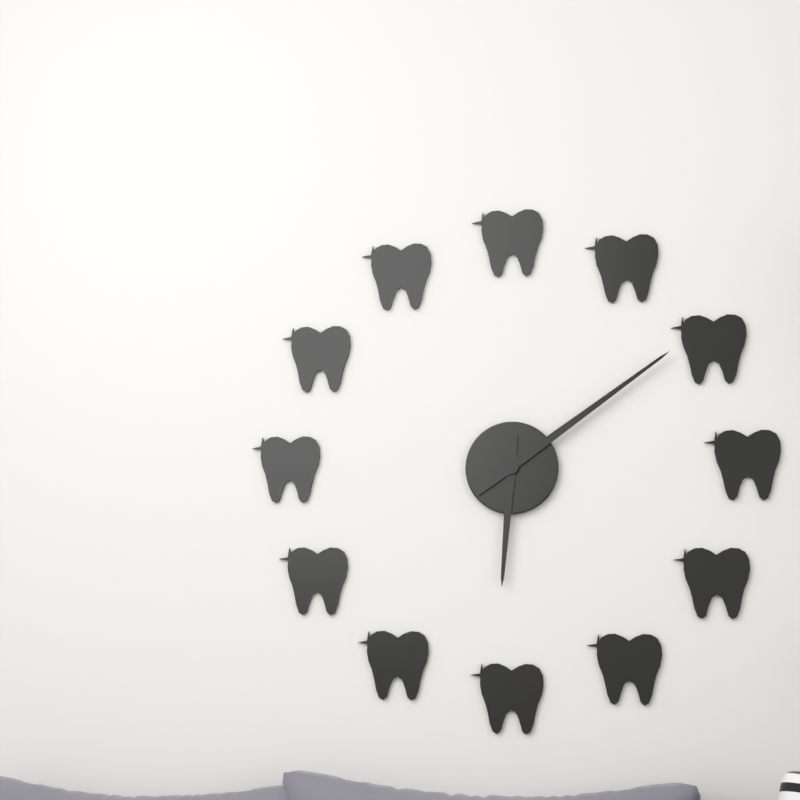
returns {"hour": 6, "minute": 9}
